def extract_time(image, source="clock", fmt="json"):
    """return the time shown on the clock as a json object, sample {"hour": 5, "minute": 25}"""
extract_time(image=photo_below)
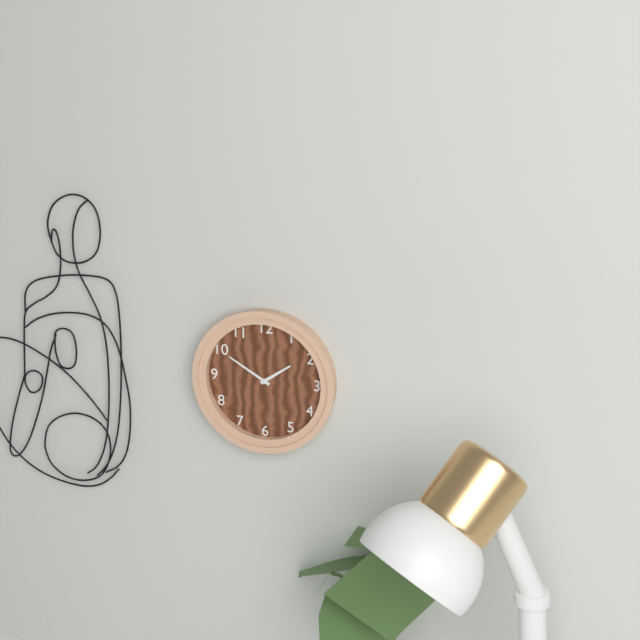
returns {"hour": 1, "minute": 50}
